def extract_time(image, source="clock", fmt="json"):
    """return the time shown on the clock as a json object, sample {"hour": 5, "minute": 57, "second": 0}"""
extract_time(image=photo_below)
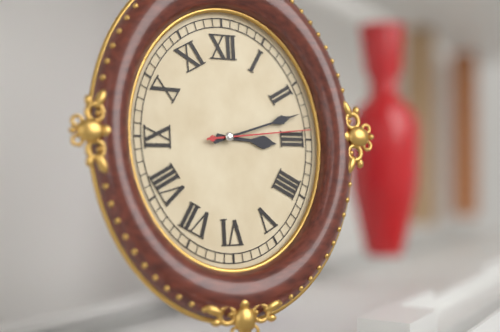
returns {"hour": 3, "minute": 12, "second": 14}
